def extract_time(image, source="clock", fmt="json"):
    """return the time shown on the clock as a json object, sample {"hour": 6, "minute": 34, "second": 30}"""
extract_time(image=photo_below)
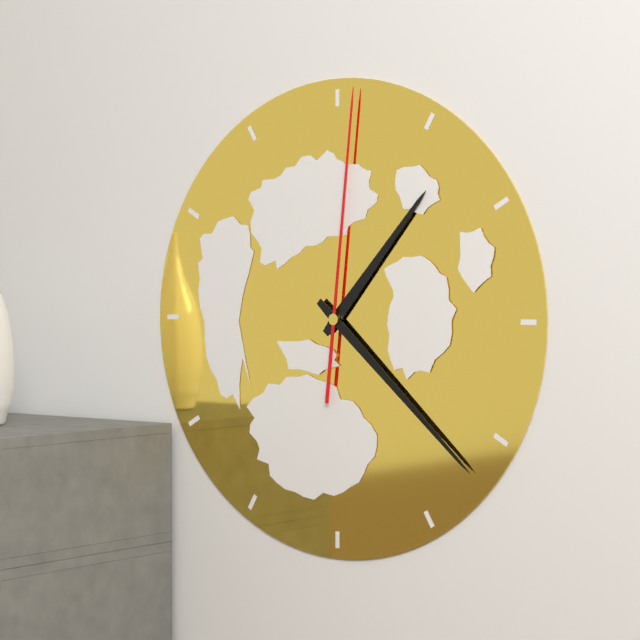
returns {"hour": 1, "minute": 22, "second": 1}
